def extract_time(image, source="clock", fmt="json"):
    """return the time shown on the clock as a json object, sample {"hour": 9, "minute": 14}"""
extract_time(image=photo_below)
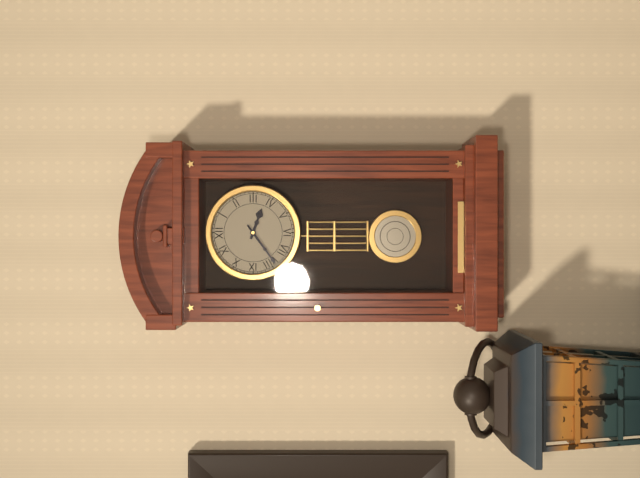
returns {"hour": 3, "minute": 39}
